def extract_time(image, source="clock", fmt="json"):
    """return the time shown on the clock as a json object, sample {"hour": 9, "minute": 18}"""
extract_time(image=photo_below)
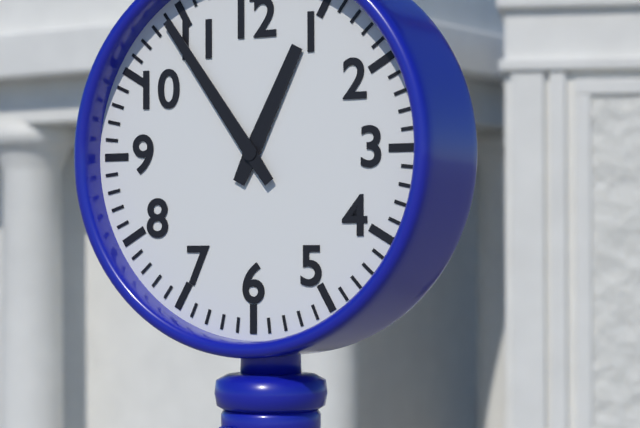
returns {"hour": 12, "minute": 54}
